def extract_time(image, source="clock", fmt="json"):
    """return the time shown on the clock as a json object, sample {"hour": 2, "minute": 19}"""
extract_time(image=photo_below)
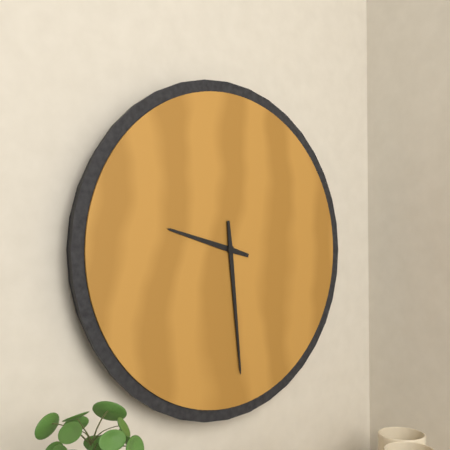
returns {"hour": 9, "minute": 29}
